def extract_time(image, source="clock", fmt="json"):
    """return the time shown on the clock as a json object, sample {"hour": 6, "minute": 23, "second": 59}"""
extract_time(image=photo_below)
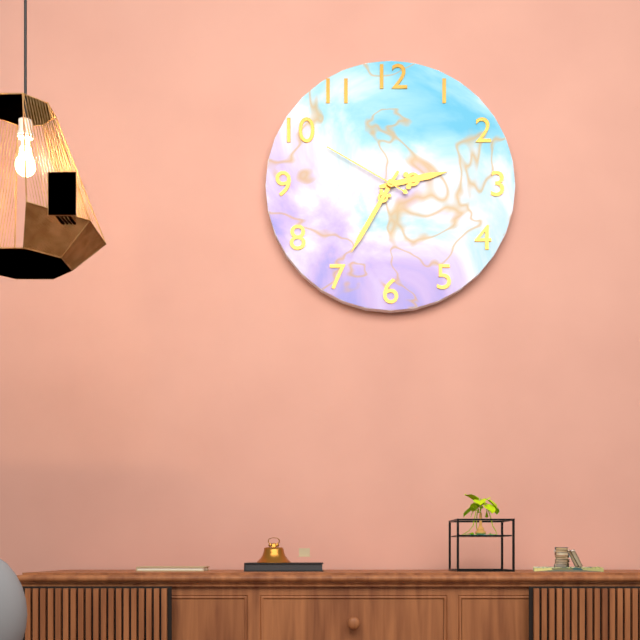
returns {"hour": 2, "minute": 35, "second": 50}
